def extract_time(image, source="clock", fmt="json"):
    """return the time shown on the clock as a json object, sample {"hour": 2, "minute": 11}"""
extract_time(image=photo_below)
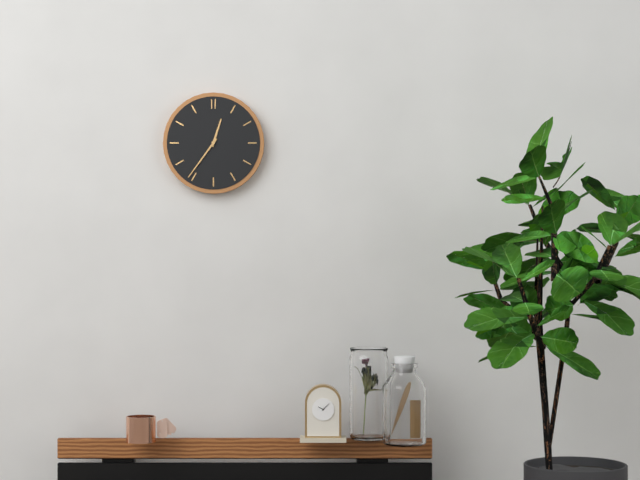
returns {"hour": 12, "minute": 36}
